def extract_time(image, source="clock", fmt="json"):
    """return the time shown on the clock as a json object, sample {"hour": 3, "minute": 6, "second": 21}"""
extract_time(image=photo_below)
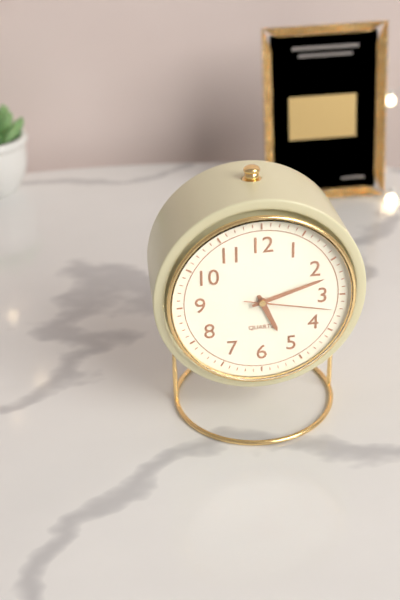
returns {"hour": 5, "minute": 12, "second": 17}
